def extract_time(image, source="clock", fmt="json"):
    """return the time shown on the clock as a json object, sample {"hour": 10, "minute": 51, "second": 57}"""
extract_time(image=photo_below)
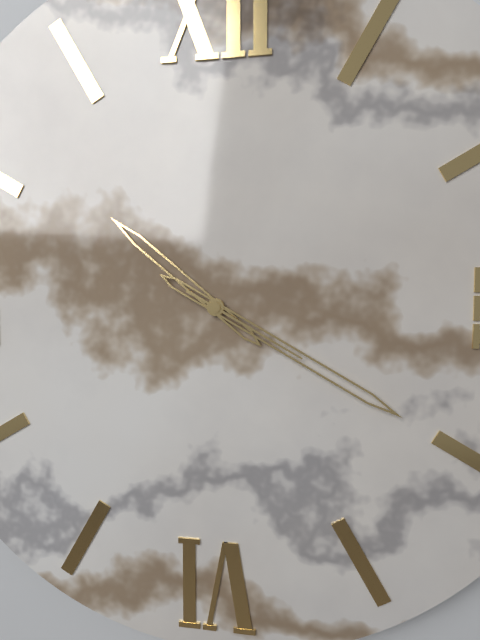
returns {"hour": 10, "minute": 20, "second": 20}
